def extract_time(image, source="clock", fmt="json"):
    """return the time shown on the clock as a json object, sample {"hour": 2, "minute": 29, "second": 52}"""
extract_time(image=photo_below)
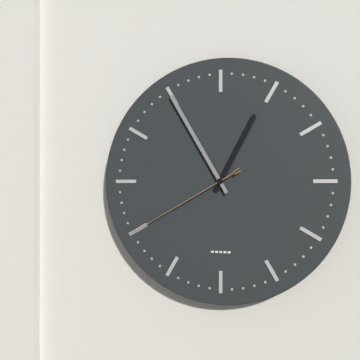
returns {"hour": 12, "minute": 55, "second": 40}
